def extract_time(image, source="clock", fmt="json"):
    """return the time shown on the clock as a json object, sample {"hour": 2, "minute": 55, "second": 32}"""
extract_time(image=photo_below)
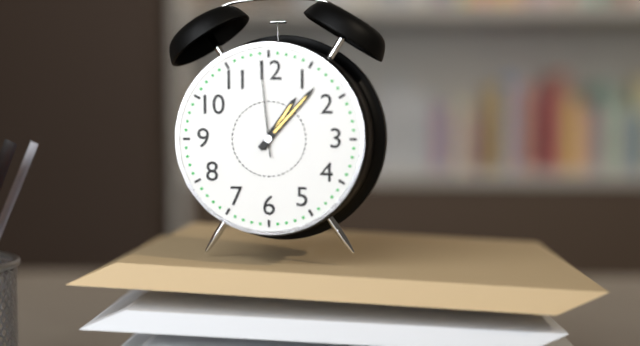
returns {"hour": 1, "minute": 7, "second": 59}
